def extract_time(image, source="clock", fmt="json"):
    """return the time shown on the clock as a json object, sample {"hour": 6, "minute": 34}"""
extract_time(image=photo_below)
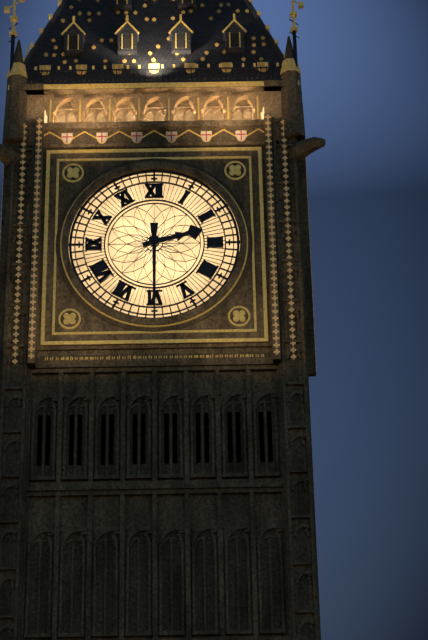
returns {"hour": 2, "minute": 30}
